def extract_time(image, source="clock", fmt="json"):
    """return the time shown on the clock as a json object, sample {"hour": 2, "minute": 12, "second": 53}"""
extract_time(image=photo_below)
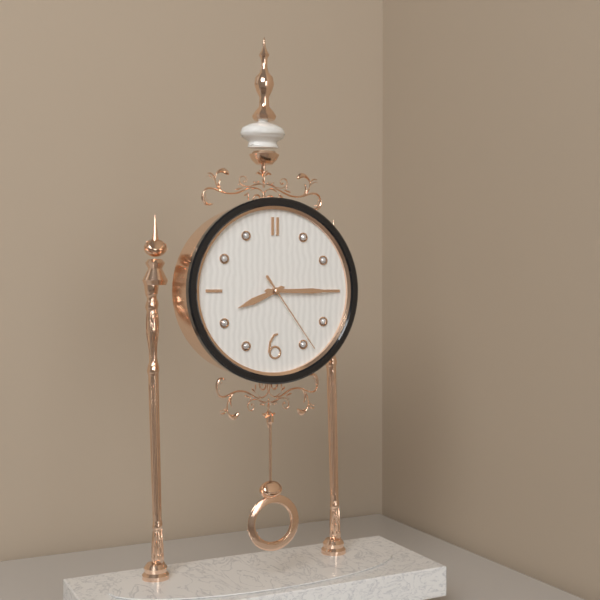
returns {"hour": 8, "minute": 15, "second": 24}
